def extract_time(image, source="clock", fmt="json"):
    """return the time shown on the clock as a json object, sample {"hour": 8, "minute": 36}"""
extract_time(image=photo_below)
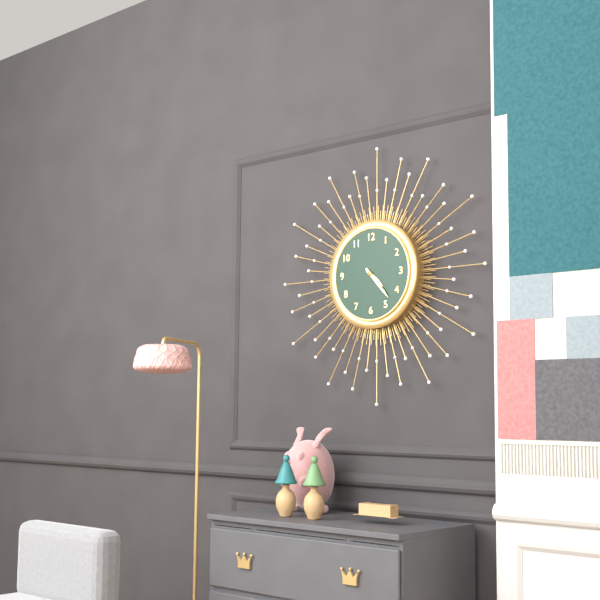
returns {"hour": 4, "minute": 23}
